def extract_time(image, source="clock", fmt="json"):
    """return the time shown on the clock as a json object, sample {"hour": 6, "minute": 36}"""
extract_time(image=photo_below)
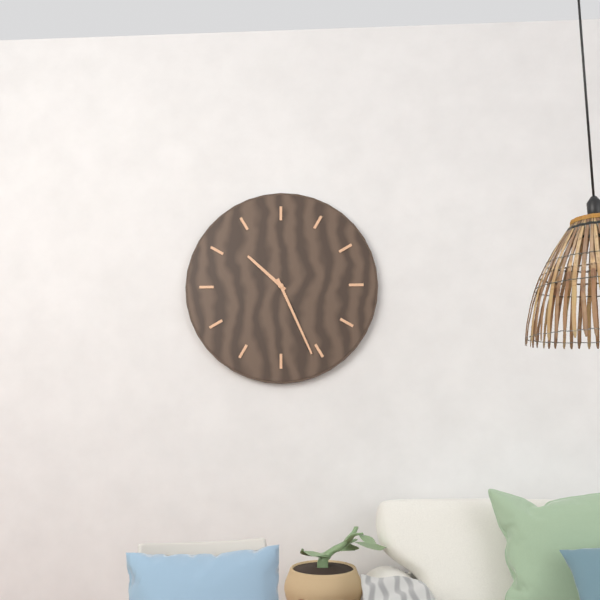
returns {"hour": 10, "minute": 26}
